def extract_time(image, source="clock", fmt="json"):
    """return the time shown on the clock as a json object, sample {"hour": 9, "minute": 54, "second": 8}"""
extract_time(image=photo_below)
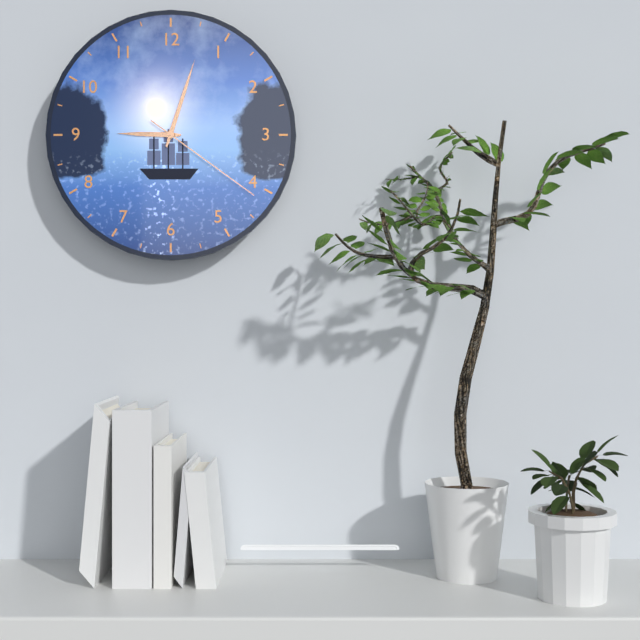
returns {"hour": 9, "minute": 3, "second": 21}
